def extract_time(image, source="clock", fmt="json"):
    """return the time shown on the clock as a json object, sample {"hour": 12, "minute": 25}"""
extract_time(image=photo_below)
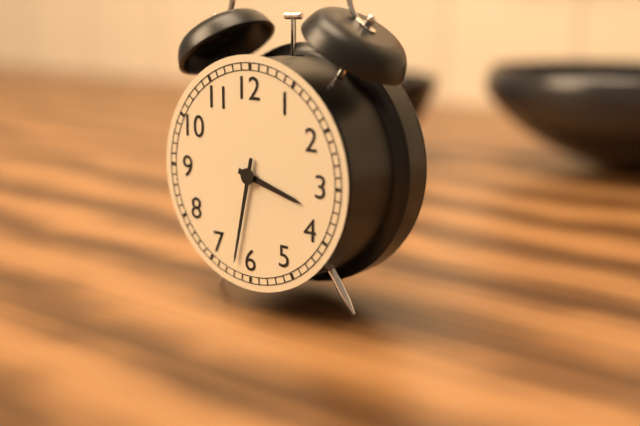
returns {"hour": 3, "minute": 32}
